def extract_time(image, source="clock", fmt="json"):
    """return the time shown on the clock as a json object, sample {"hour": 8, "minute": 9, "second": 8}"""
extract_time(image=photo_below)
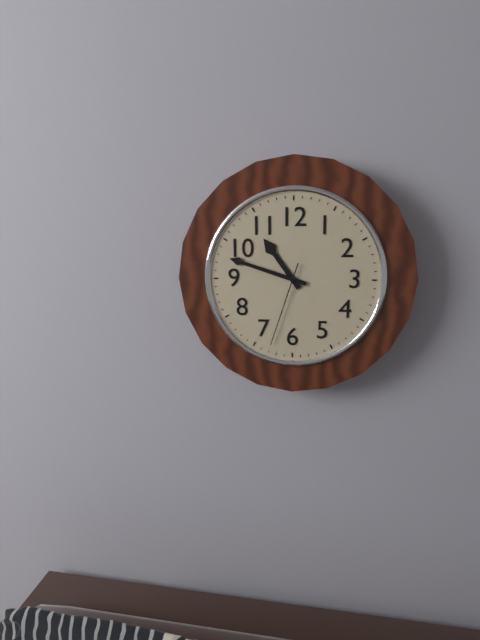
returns {"hour": 10, "minute": 48, "second": 33}
